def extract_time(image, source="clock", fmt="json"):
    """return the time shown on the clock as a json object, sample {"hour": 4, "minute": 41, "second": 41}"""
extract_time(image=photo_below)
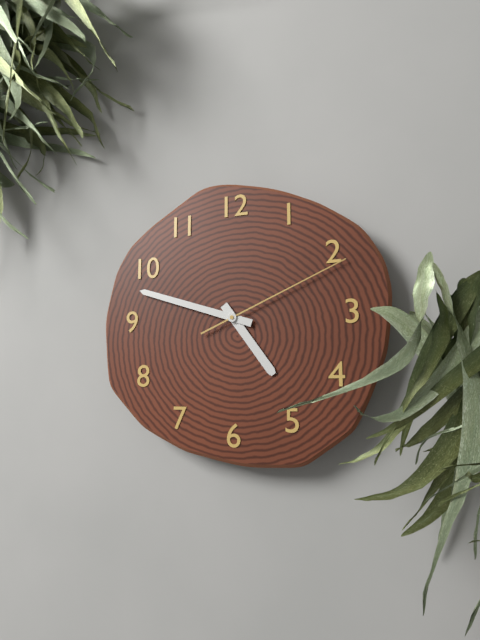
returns {"hour": 4, "minute": 48, "second": 11}
